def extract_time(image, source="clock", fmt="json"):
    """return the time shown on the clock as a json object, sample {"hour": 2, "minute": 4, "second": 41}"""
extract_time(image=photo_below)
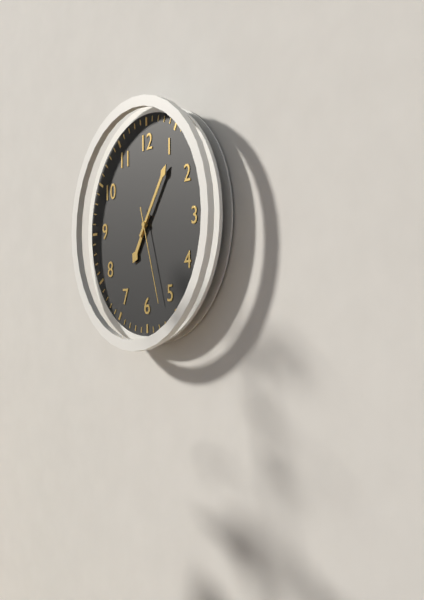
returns {"hour": 7, "minute": 6, "second": 27}
